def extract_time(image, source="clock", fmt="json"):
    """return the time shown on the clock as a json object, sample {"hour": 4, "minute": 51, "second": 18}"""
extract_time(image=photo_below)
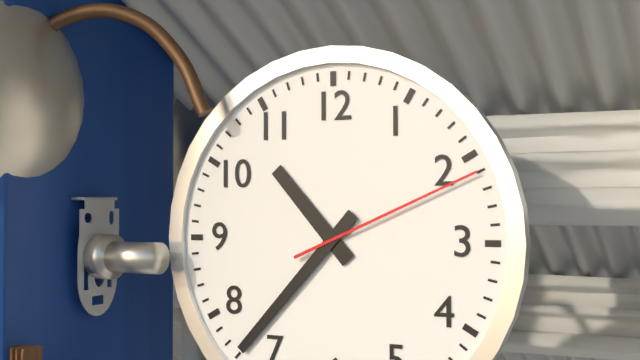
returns {"hour": 10, "minute": 37, "second": 11}
